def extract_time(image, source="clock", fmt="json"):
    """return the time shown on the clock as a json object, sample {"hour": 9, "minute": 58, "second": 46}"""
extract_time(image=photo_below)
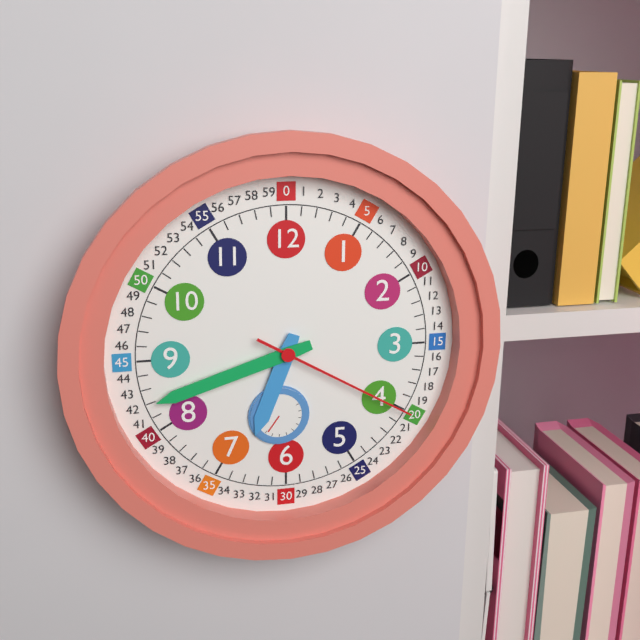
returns {"hour": 6, "minute": 42, "second": 20}
